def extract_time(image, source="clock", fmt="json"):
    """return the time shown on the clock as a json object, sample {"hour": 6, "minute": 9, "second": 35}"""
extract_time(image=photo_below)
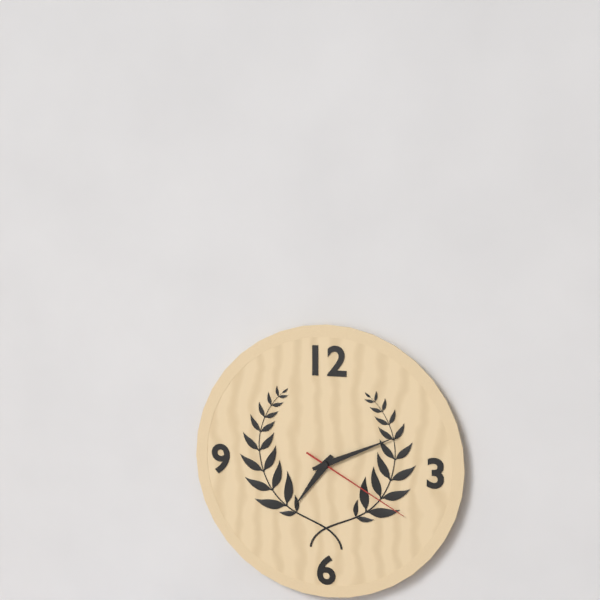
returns {"hour": 7, "minute": 11, "second": 20}
